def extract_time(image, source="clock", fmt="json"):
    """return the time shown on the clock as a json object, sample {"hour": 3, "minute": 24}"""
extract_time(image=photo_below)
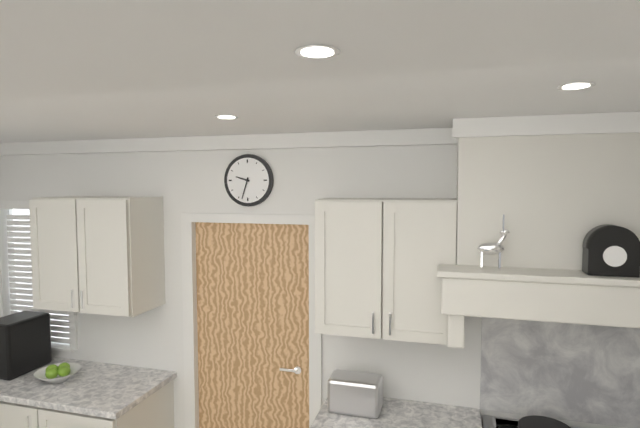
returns {"hour": 9, "minute": 33}
